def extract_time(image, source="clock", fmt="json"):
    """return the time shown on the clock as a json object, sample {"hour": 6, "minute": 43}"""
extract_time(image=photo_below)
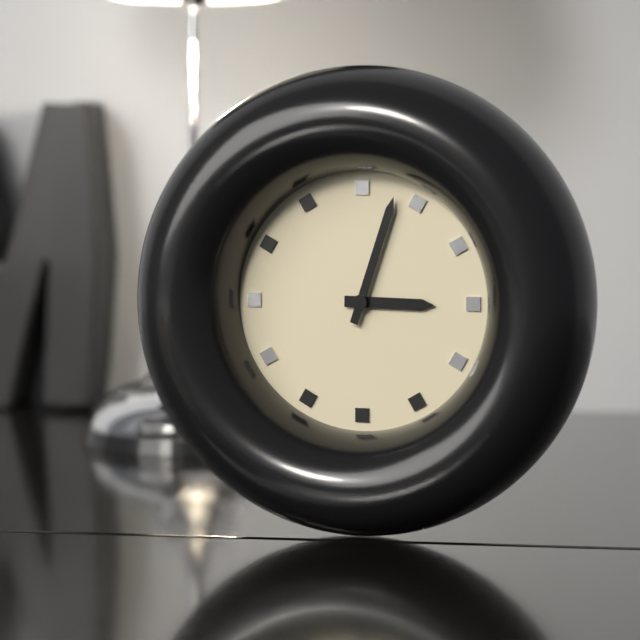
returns {"hour": 3, "minute": 3}
